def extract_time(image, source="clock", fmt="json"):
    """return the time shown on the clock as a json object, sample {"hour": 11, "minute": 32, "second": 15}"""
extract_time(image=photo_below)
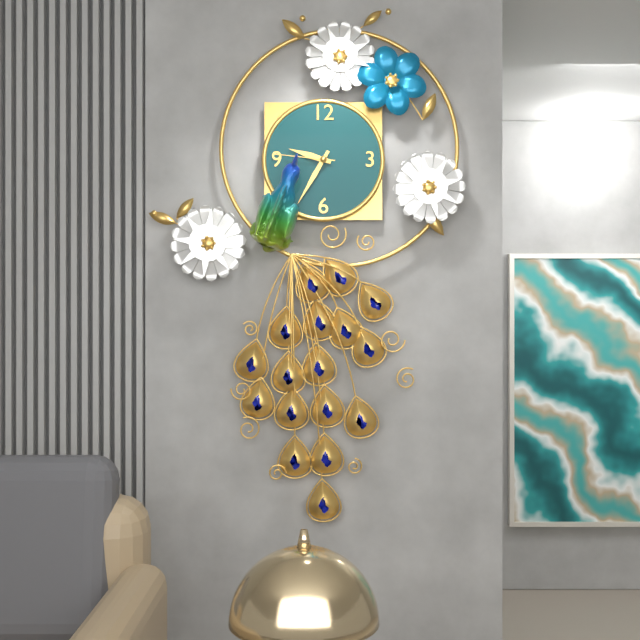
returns {"hour": 9, "minute": 35, "second": 46}
